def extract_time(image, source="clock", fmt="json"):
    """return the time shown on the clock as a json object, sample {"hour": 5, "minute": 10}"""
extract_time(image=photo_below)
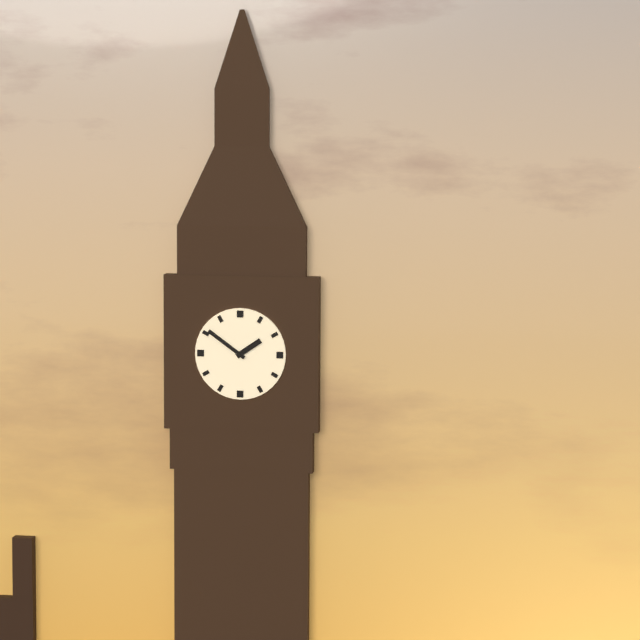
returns {"hour": 1, "minute": 51}
